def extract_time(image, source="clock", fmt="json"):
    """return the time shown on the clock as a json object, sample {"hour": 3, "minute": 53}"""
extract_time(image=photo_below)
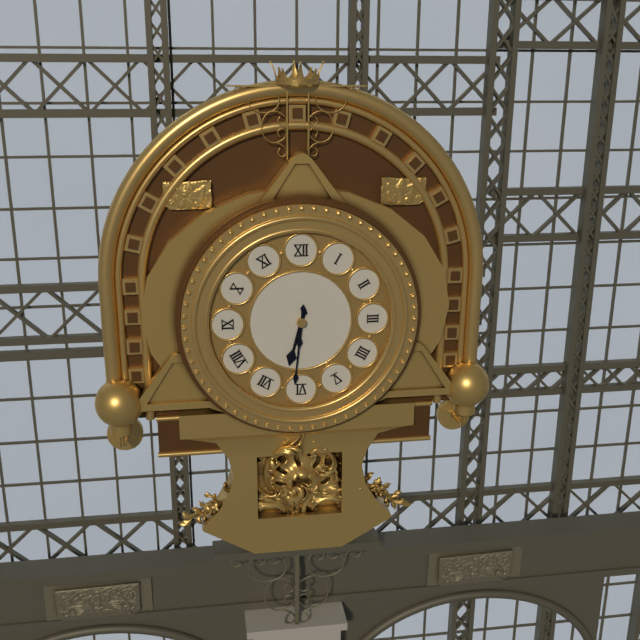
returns {"hour": 6, "minute": 31}
